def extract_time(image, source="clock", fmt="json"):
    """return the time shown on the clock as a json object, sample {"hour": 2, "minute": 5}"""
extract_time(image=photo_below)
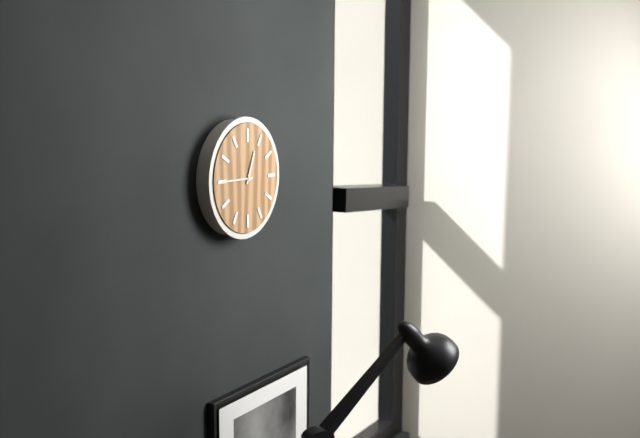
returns {"hour": 12, "minute": 45}
